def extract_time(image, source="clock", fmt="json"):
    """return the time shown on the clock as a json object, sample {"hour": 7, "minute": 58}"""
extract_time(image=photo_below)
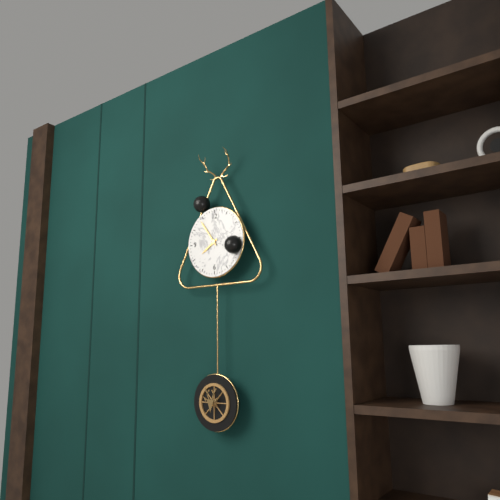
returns {"hour": 7, "minute": 54}
